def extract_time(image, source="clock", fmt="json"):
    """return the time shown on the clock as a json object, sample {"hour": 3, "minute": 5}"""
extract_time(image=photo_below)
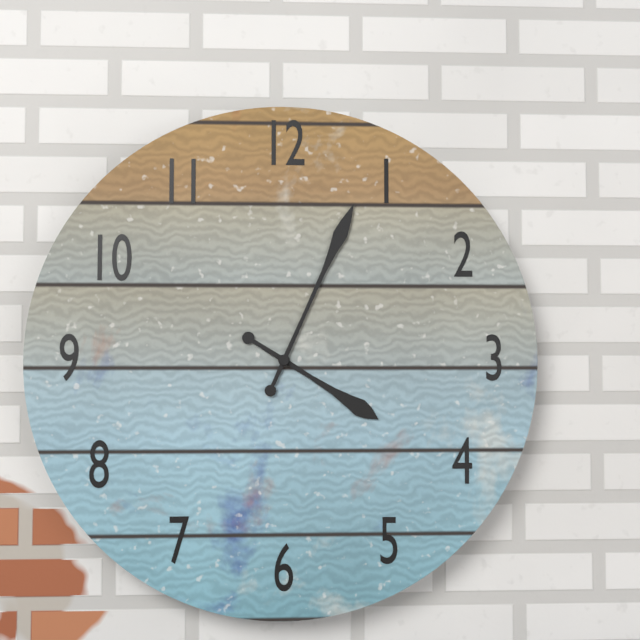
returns {"hour": 4, "minute": 4}
